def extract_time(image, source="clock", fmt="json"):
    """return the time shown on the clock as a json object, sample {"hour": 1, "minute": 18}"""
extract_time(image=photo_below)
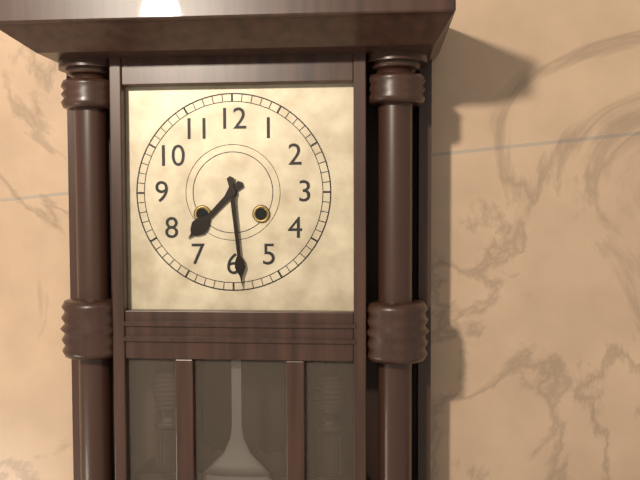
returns {"hour": 7, "minute": 29}
